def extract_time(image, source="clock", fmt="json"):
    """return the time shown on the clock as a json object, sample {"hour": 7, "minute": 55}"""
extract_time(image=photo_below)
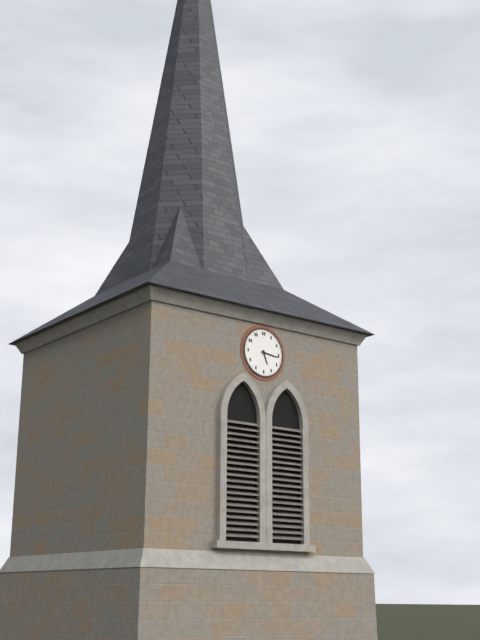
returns {"hour": 5, "minute": 16}
